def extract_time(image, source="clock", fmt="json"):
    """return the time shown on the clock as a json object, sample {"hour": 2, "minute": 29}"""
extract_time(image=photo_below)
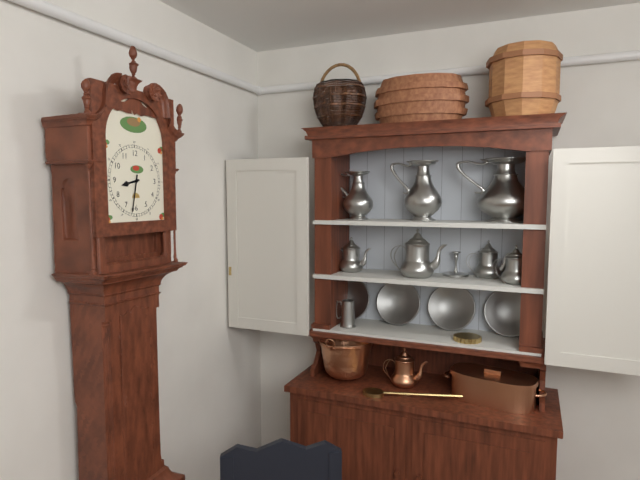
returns {"hour": 8, "minute": 32}
